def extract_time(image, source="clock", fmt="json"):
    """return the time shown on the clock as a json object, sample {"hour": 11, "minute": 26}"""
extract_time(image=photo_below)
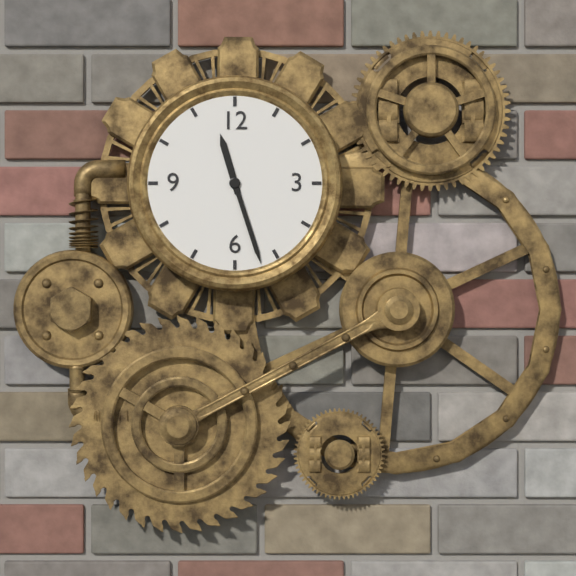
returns {"hour": 11, "minute": 27}
